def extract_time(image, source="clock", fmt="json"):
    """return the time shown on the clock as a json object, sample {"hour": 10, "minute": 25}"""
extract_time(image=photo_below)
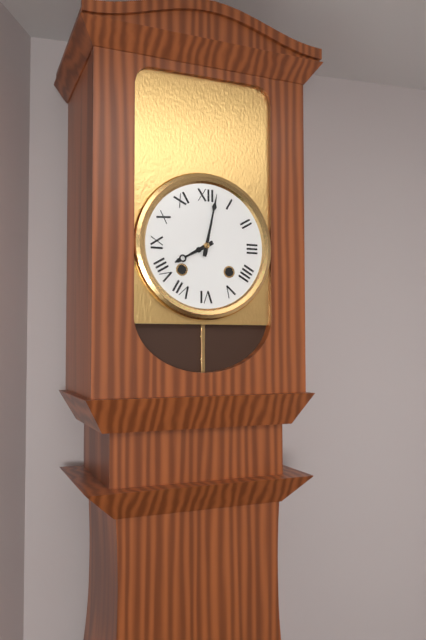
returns {"hour": 8, "minute": 2}
